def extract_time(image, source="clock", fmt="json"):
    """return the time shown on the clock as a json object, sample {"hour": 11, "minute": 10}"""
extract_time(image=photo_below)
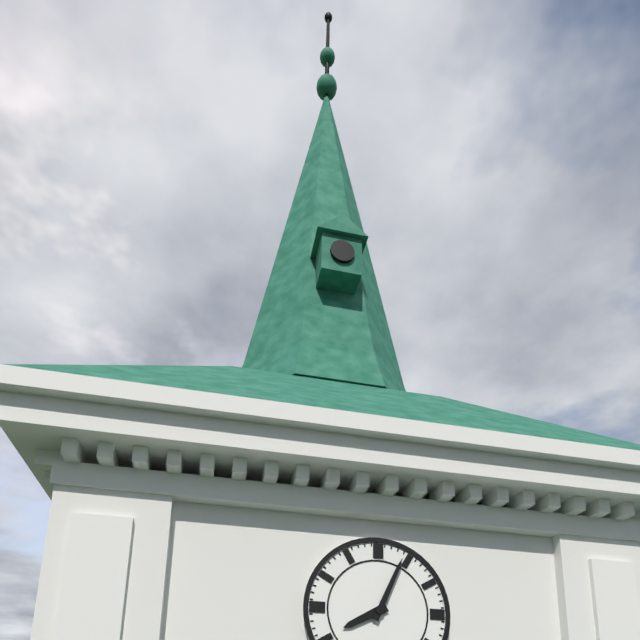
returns {"hour": 8, "minute": 4}
